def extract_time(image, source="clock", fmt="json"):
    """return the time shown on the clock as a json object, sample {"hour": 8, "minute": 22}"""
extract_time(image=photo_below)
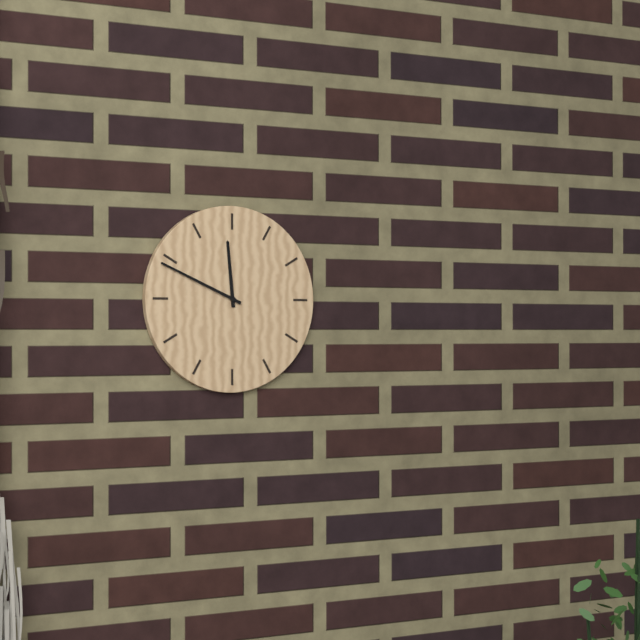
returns {"hour": 11, "minute": 49}
